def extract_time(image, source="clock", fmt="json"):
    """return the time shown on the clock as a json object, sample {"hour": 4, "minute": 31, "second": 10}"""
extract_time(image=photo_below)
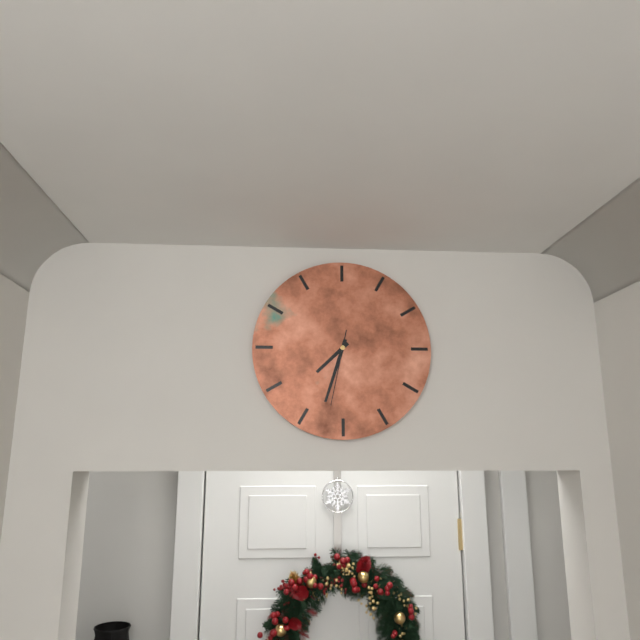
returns {"hour": 7, "minute": 33, "second": 32}
